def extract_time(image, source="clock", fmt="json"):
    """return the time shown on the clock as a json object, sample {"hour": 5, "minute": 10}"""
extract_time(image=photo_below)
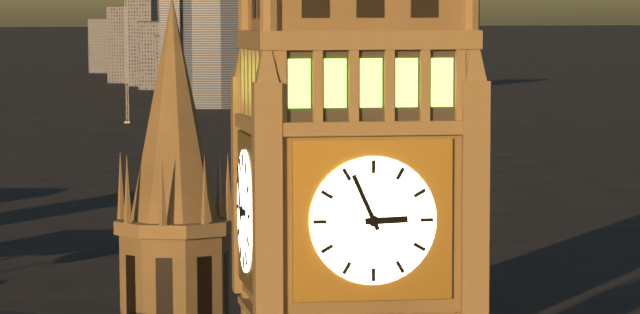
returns {"hour": 2, "minute": 56}
